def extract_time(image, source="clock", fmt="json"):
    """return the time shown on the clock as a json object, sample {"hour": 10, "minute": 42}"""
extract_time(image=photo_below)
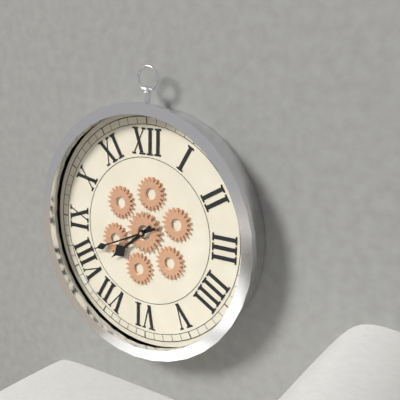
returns {"hour": 7, "minute": 41}
